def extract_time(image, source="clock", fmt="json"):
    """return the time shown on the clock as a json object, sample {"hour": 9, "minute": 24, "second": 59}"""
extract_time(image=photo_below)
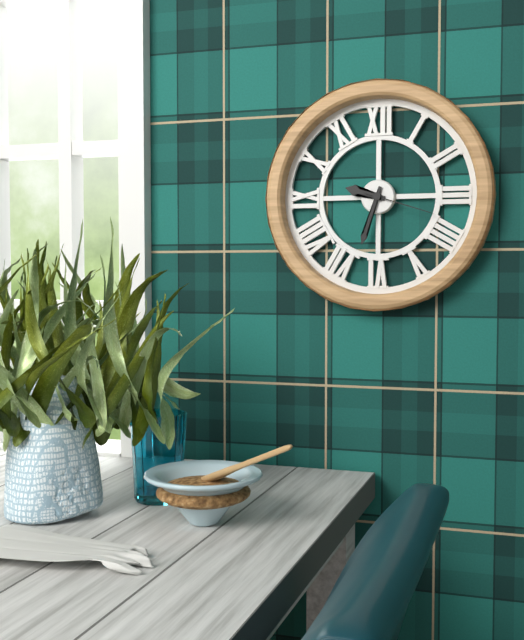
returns {"hour": 9, "minute": 33, "second": 18}
